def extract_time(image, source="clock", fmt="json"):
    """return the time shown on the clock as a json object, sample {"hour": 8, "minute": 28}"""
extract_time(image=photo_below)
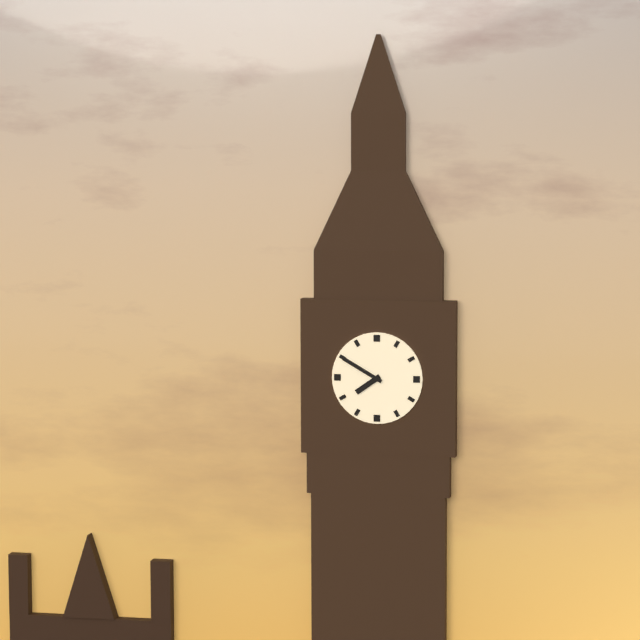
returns {"hour": 7, "minute": 50}
